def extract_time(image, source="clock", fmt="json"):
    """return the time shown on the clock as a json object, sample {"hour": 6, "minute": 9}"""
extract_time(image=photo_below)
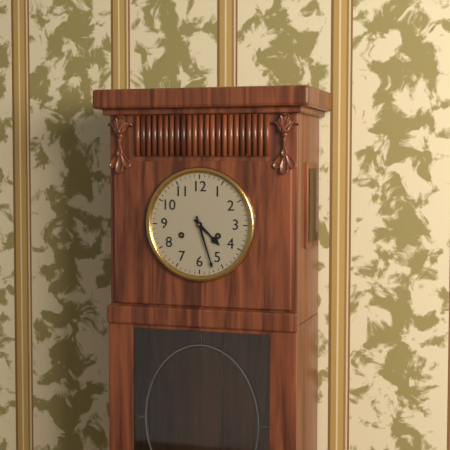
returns {"hour": 4, "minute": 27}
